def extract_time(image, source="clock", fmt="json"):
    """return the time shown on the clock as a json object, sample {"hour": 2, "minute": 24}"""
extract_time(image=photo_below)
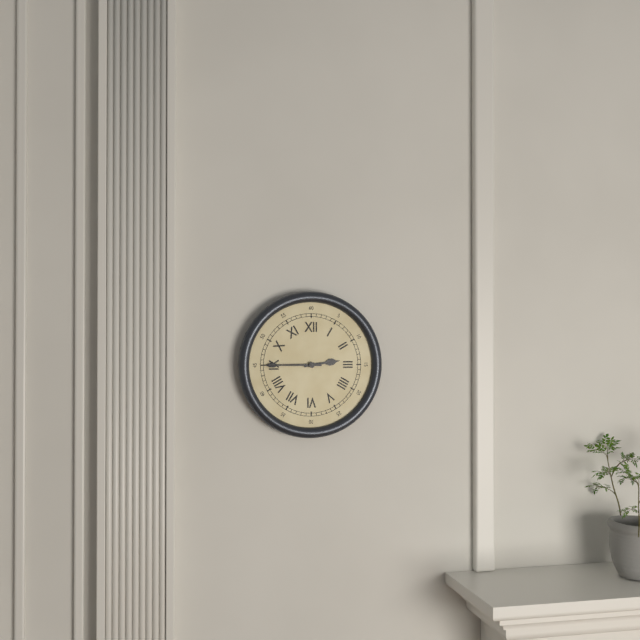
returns {"hour": 2, "minute": 45}
